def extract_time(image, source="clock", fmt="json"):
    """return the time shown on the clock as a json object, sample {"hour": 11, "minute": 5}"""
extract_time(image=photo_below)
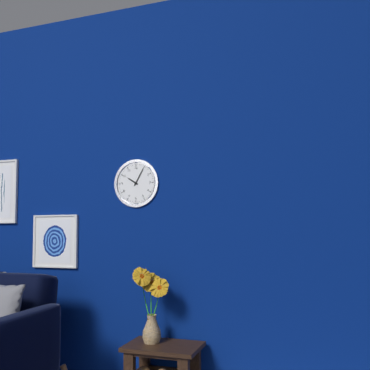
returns {"hour": 10, "minute": 5}
